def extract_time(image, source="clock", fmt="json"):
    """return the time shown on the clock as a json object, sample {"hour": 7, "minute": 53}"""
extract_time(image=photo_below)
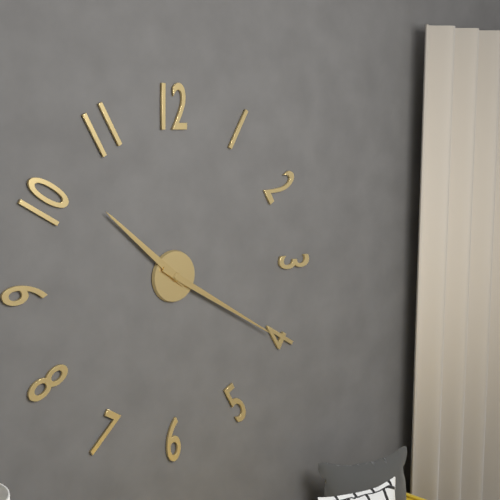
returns {"hour": 10, "minute": 20}
